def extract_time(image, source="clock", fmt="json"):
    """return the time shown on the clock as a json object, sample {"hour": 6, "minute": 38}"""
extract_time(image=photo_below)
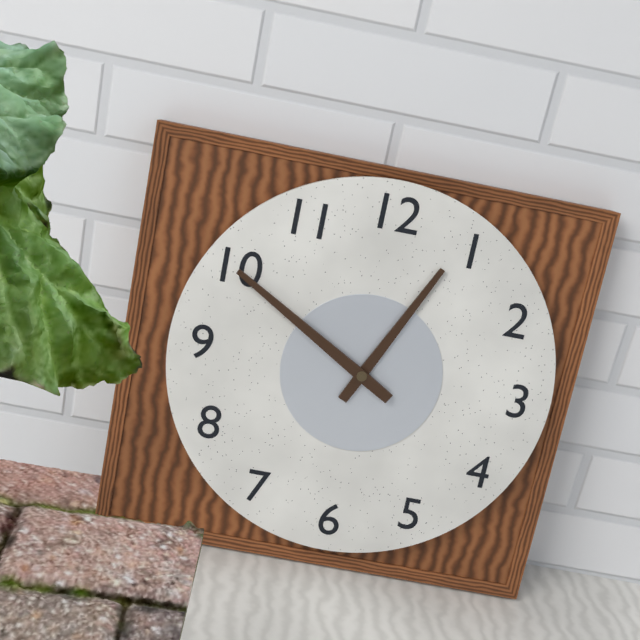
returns {"hour": 12, "minute": 50}
